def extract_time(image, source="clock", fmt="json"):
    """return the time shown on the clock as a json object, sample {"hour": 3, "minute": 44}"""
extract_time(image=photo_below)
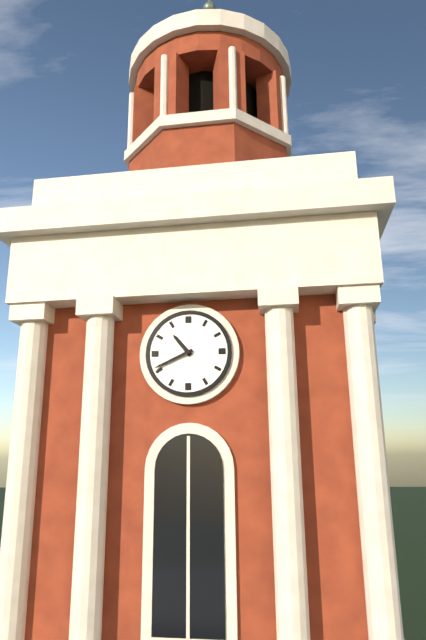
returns {"hour": 10, "minute": 41}
